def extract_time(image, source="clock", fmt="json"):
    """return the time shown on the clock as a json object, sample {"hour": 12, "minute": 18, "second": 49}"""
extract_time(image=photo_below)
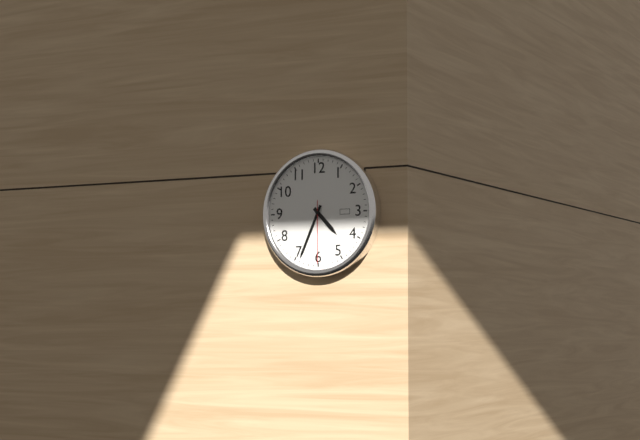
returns {"hour": 4, "minute": 34, "second": 30}
